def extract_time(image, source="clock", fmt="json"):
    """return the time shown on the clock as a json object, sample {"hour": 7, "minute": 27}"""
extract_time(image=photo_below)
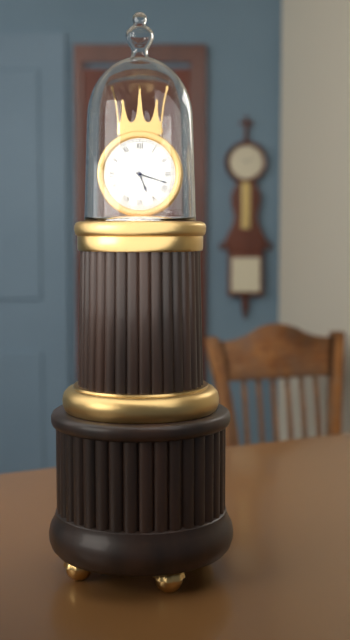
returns {"hour": 5, "minute": 18}
